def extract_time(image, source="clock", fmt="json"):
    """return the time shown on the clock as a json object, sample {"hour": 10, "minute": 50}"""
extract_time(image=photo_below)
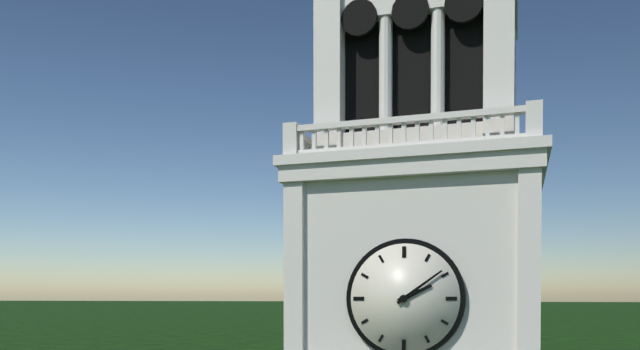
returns {"hour": 2, "minute": 9}
